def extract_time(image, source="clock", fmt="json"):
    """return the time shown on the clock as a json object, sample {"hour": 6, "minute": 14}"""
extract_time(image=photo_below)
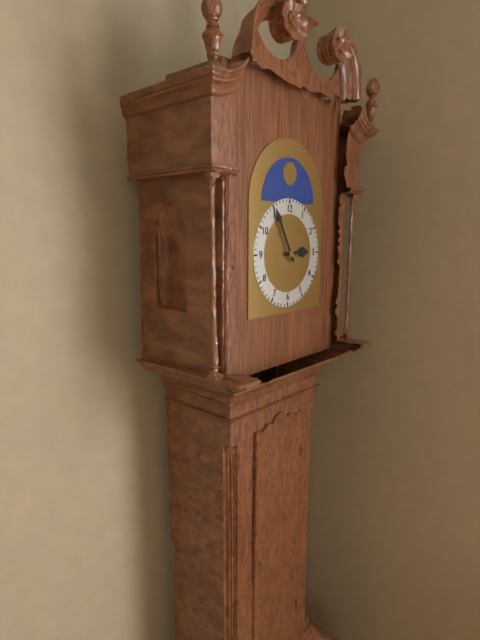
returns {"hour": 2, "minute": 55}
